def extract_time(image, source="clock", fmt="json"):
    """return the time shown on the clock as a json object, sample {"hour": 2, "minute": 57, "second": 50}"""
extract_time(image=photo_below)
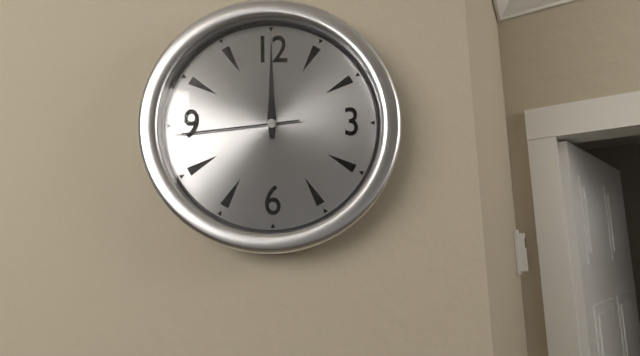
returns {"hour": 12, "minute": 0, "second": 44}
